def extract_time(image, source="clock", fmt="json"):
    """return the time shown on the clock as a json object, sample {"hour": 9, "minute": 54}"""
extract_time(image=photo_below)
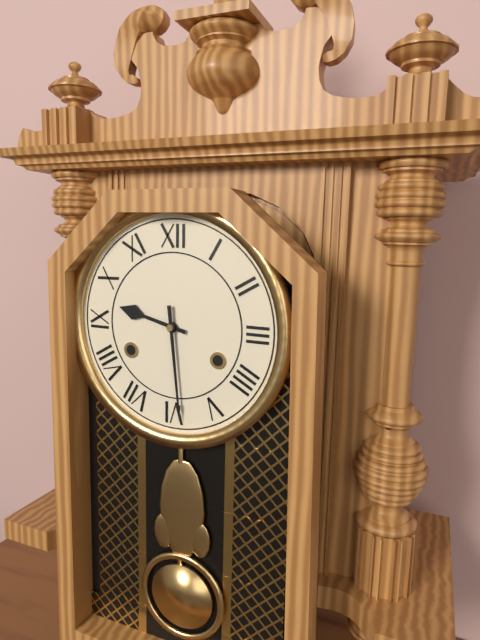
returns {"hour": 9, "minute": 29}
